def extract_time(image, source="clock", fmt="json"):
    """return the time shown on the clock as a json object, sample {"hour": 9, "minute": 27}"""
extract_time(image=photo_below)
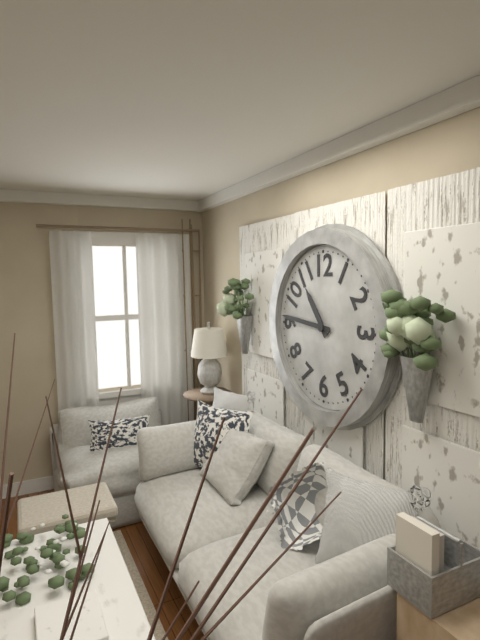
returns {"hour": 10, "minute": 46}
